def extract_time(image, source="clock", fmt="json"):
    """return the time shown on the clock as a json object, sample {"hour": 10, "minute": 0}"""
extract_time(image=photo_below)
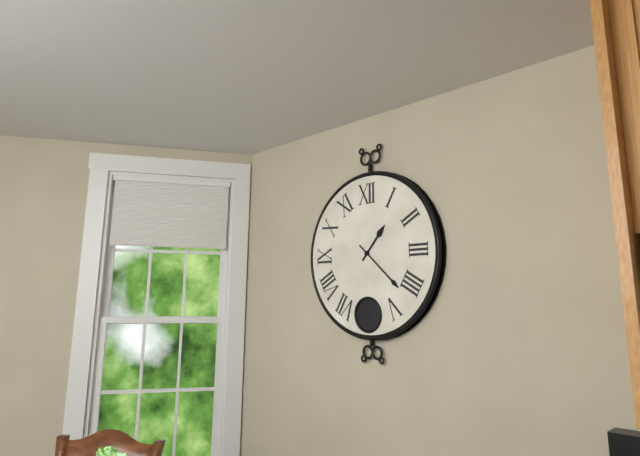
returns {"hour": 1, "minute": 22}
